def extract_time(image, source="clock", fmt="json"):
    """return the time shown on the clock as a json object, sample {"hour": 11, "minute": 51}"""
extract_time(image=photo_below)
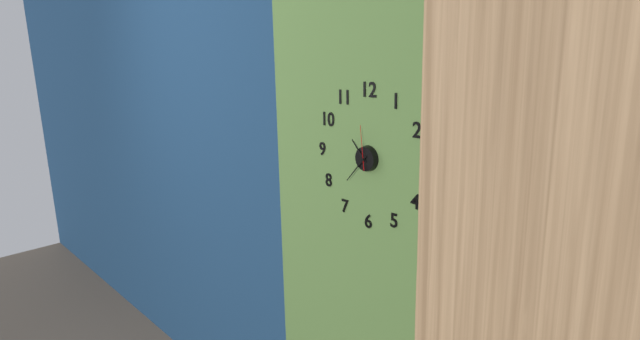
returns {"hour": 10, "minute": 37}
